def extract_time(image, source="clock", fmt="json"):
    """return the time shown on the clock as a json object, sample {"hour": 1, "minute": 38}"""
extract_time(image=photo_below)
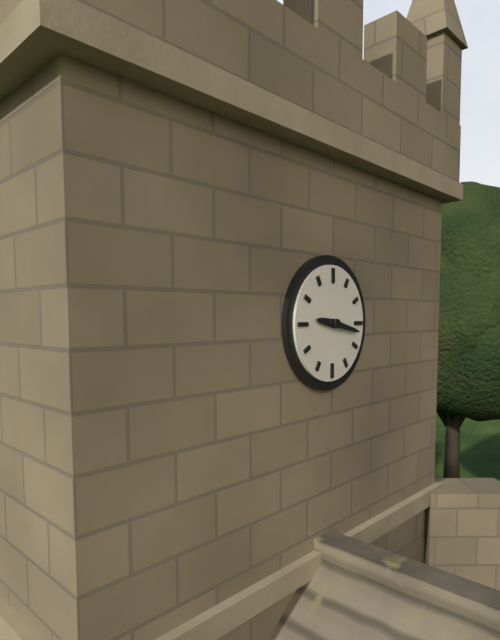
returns {"hour": 9, "minute": 17}
